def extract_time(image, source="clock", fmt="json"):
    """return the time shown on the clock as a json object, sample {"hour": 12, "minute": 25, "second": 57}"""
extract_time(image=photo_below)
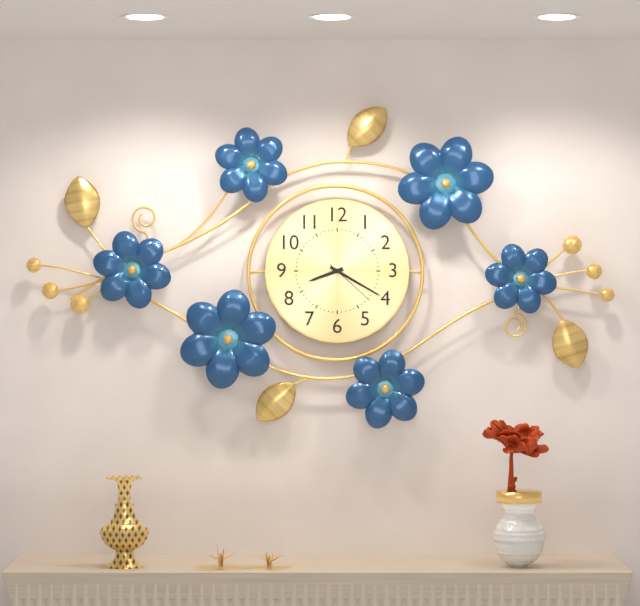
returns {"hour": 8, "minute": 20, "second": 22}
